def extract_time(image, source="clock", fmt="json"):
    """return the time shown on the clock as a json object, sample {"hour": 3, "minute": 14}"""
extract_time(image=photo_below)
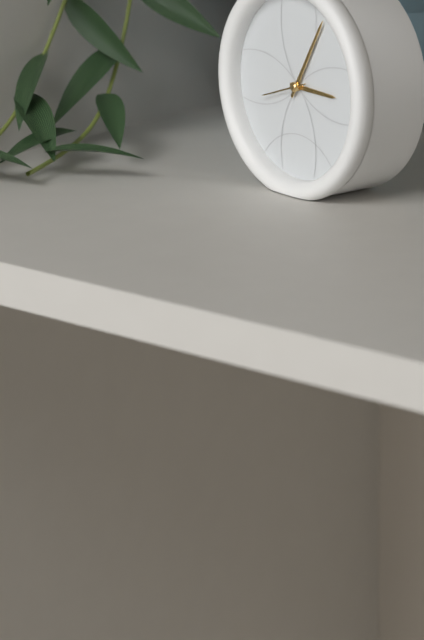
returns {"hour": 3, "minute": 5}
